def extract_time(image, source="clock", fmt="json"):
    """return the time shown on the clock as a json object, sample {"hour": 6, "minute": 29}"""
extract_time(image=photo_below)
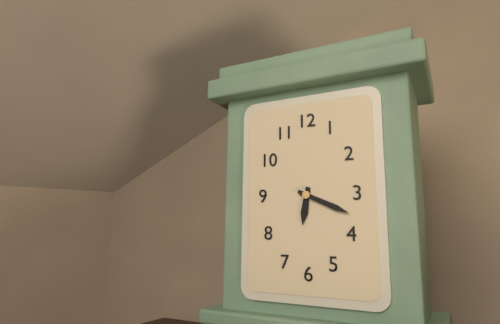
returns {"hour": 6, "minute": 19}
